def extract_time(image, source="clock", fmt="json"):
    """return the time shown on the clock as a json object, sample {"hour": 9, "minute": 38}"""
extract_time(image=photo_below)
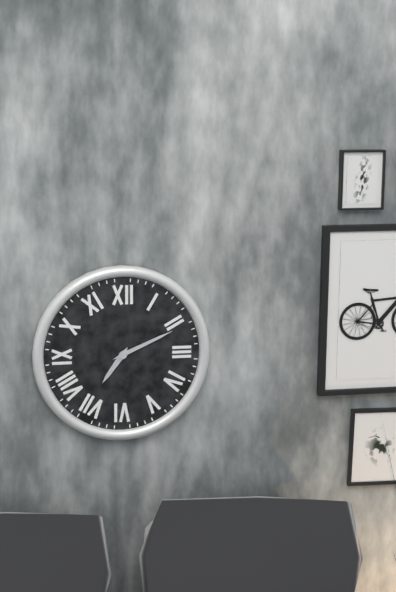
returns {"hour": 7, "minute": 11}
